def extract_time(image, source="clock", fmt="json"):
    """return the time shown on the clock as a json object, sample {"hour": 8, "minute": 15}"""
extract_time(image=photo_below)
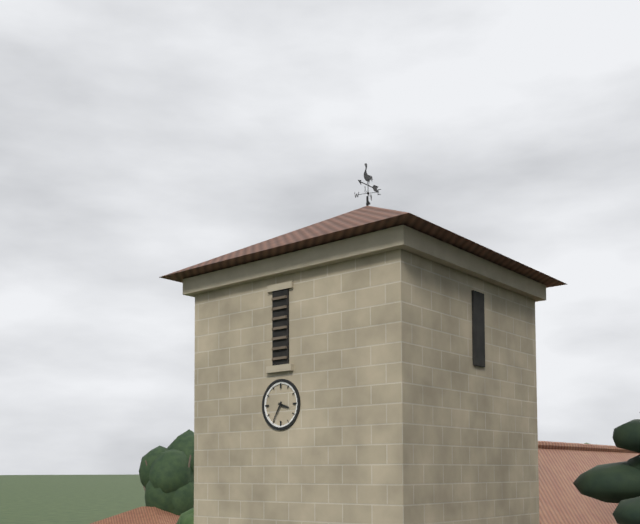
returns {"hour": 3, "minute": 35}
